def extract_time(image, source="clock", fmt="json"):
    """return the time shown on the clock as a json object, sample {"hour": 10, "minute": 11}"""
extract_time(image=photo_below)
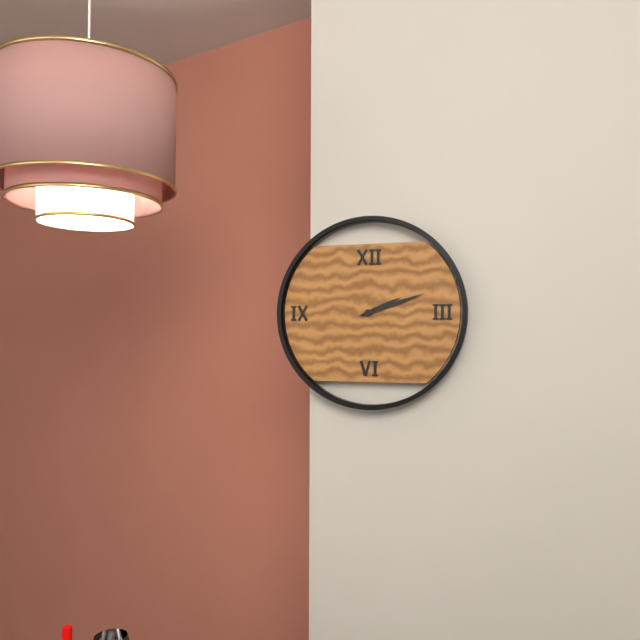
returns {"hour": 2, "minute": 12}
